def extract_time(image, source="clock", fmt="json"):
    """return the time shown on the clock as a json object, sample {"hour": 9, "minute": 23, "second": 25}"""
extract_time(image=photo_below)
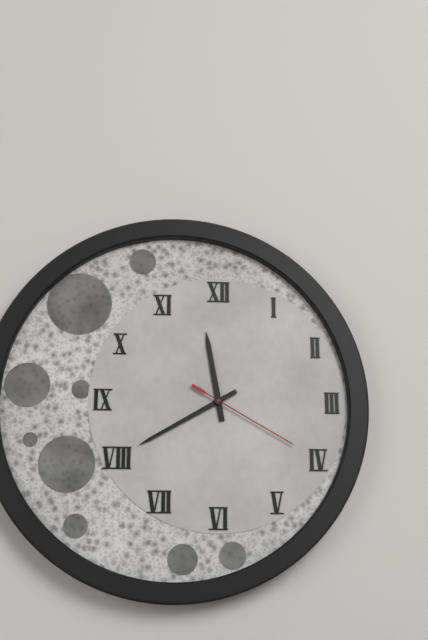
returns {"hour": 11, "minute": 40, "second": 20}
